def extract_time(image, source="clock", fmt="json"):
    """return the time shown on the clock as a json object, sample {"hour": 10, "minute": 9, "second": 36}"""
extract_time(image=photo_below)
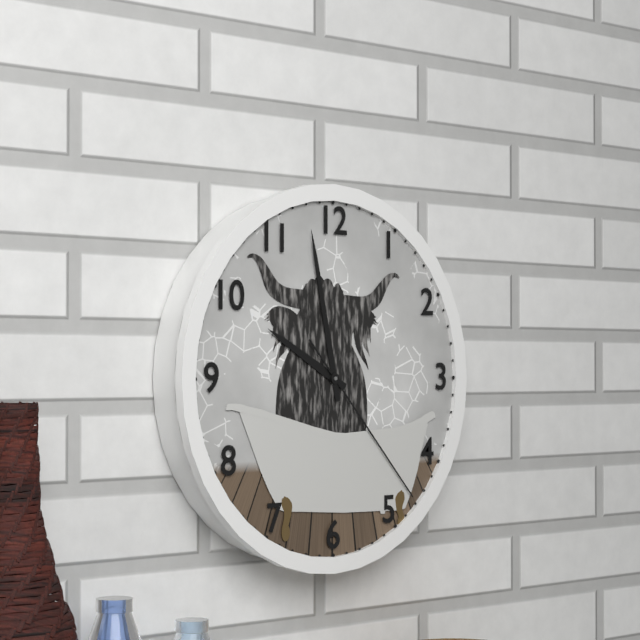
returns {"hour": 9, "minute": 58, "second": 23}
